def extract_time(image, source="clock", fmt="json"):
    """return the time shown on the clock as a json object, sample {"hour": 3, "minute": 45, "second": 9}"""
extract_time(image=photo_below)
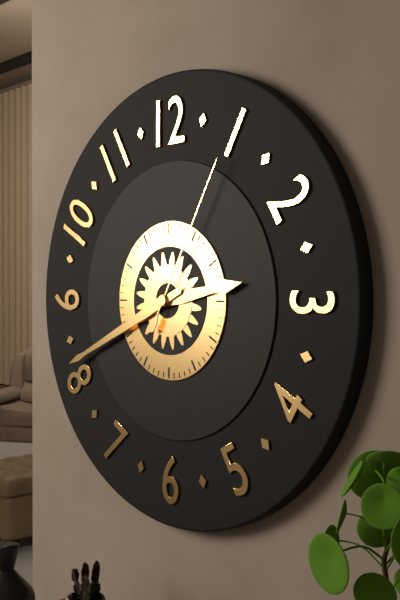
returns {"hour": 2, "minute": 41, "second": 5}
